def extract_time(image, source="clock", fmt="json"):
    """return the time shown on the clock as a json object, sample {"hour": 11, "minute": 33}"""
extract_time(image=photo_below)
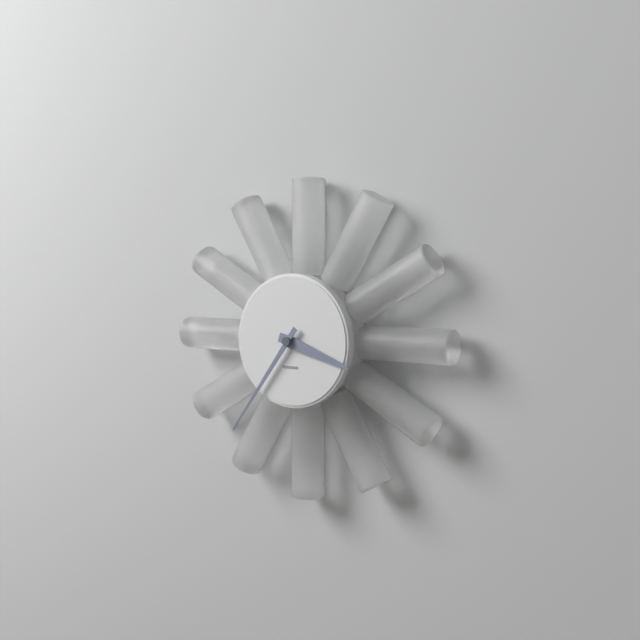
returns {"hour": 3, "minute": 36}
